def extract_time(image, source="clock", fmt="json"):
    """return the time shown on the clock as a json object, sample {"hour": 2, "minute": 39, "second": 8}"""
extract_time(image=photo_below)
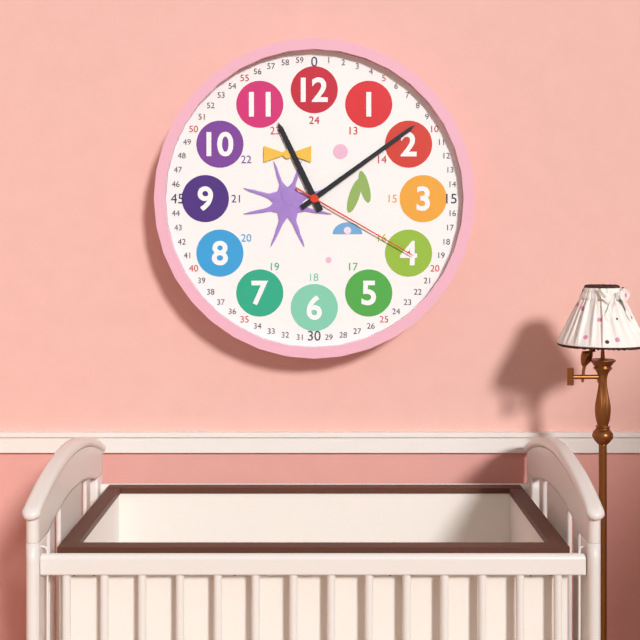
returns {"hour": 11, "minute": 9, "second": 20}
